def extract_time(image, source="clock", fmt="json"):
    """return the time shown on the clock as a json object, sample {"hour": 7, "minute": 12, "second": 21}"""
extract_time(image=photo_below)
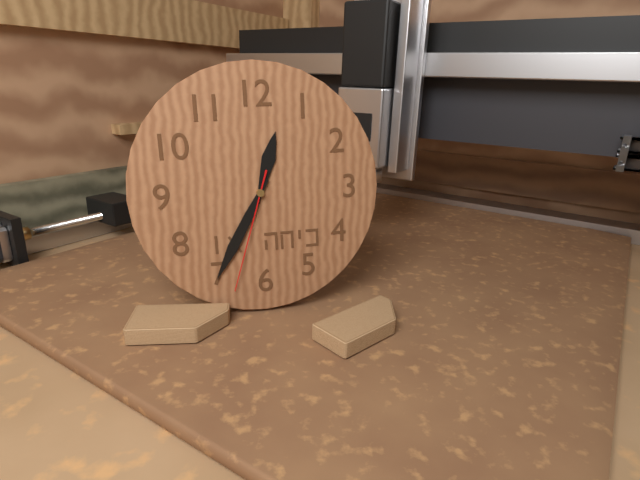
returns {"hour": 12, "minute": 35, "second": 33}
